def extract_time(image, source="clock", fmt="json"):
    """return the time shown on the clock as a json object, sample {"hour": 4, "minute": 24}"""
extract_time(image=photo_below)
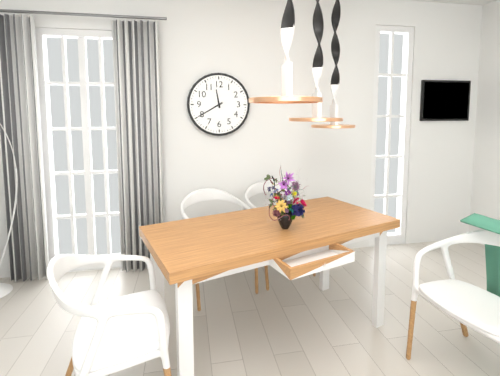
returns {"hour": 11, "minute": 40}
